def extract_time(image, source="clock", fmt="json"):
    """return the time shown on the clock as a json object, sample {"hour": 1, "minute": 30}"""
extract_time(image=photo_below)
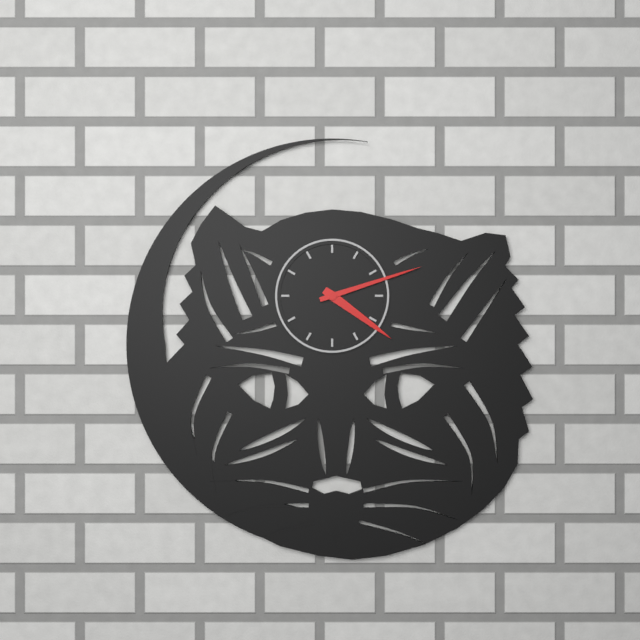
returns {"hour": 4, "minute": 12}
